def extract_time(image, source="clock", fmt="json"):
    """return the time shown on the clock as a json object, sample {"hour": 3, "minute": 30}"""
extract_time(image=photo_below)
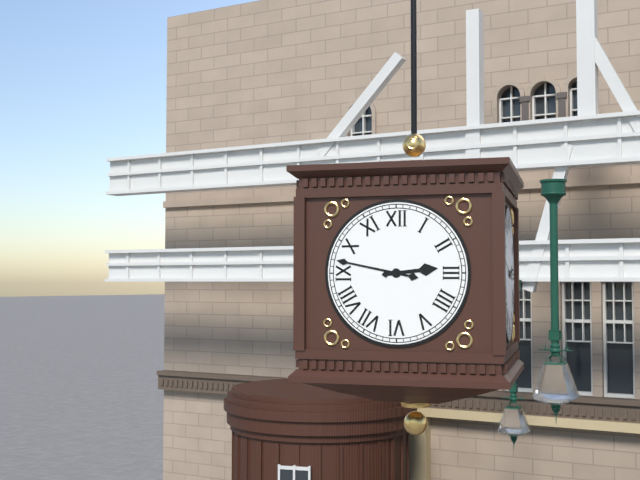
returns {"hour": 2, "minute": 47}
